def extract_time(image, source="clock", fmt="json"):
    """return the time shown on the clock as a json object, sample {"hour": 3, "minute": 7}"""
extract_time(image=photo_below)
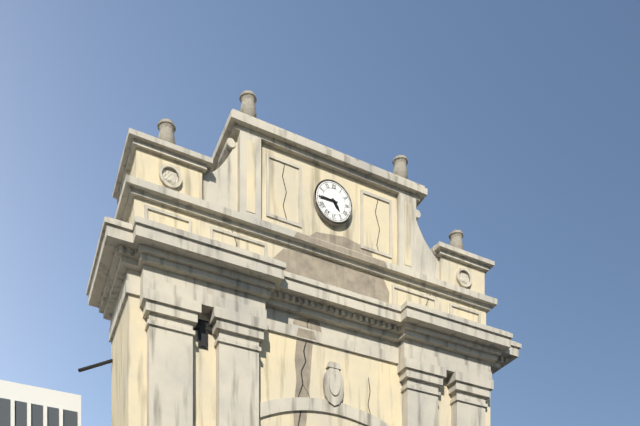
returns {"hour": 4, "minute": 45}
